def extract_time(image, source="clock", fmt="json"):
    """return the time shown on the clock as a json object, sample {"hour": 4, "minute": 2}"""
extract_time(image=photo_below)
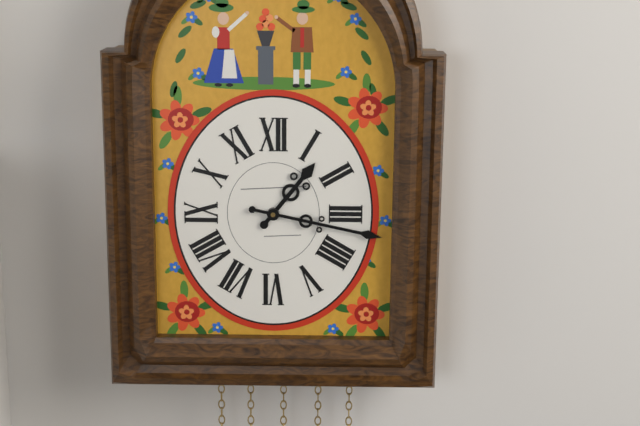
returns {"hour": 1, "minute": 17}
